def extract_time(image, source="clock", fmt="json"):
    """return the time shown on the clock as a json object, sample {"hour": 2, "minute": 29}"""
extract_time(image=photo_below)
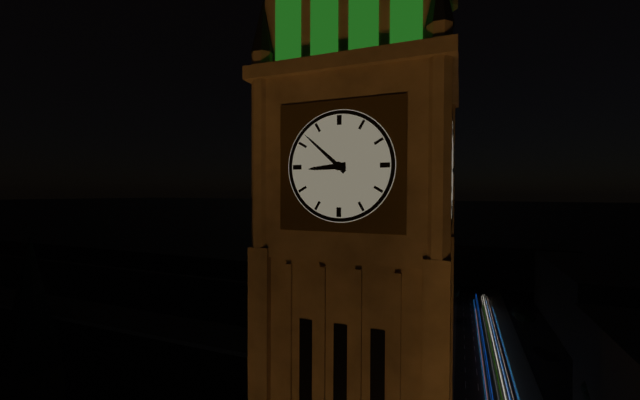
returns {"hour": 8, "minute": 52}
